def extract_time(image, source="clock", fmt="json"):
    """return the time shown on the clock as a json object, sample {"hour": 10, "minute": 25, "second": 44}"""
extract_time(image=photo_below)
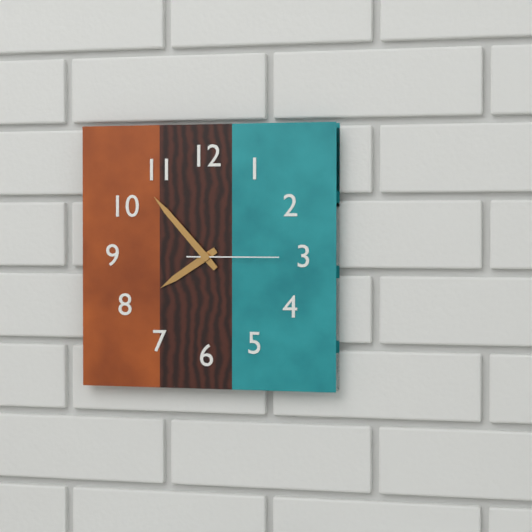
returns {"hour": 7, "minute": 53, "second": 15}
